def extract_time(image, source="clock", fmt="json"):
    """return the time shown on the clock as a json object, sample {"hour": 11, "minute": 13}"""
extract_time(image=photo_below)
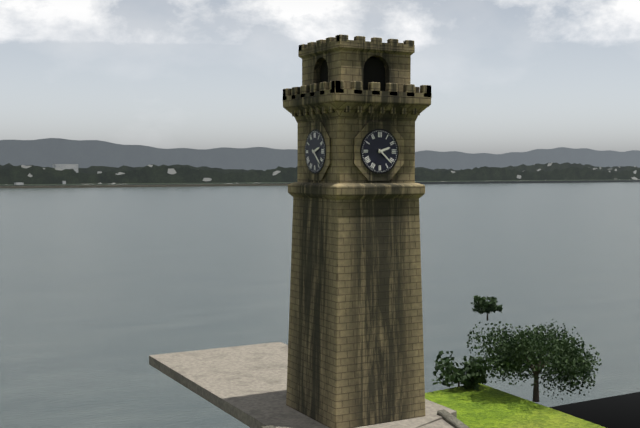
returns {"hour": 2, "minute": 22}
